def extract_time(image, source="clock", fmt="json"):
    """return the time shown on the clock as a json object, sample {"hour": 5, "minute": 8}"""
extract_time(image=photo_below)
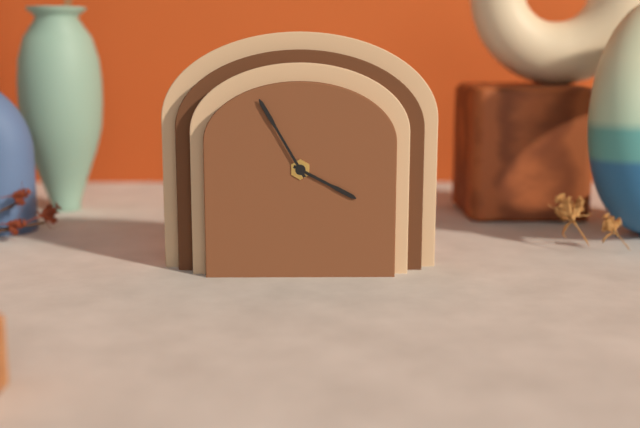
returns {"hour": 3, "minute": 55}
